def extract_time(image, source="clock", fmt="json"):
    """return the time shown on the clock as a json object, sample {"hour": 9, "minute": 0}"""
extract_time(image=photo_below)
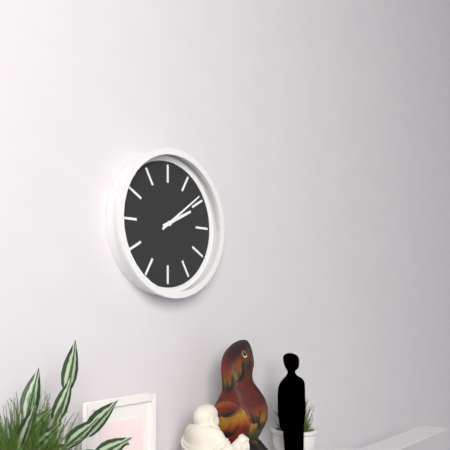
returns {"hour": 2, "minute": 9}
